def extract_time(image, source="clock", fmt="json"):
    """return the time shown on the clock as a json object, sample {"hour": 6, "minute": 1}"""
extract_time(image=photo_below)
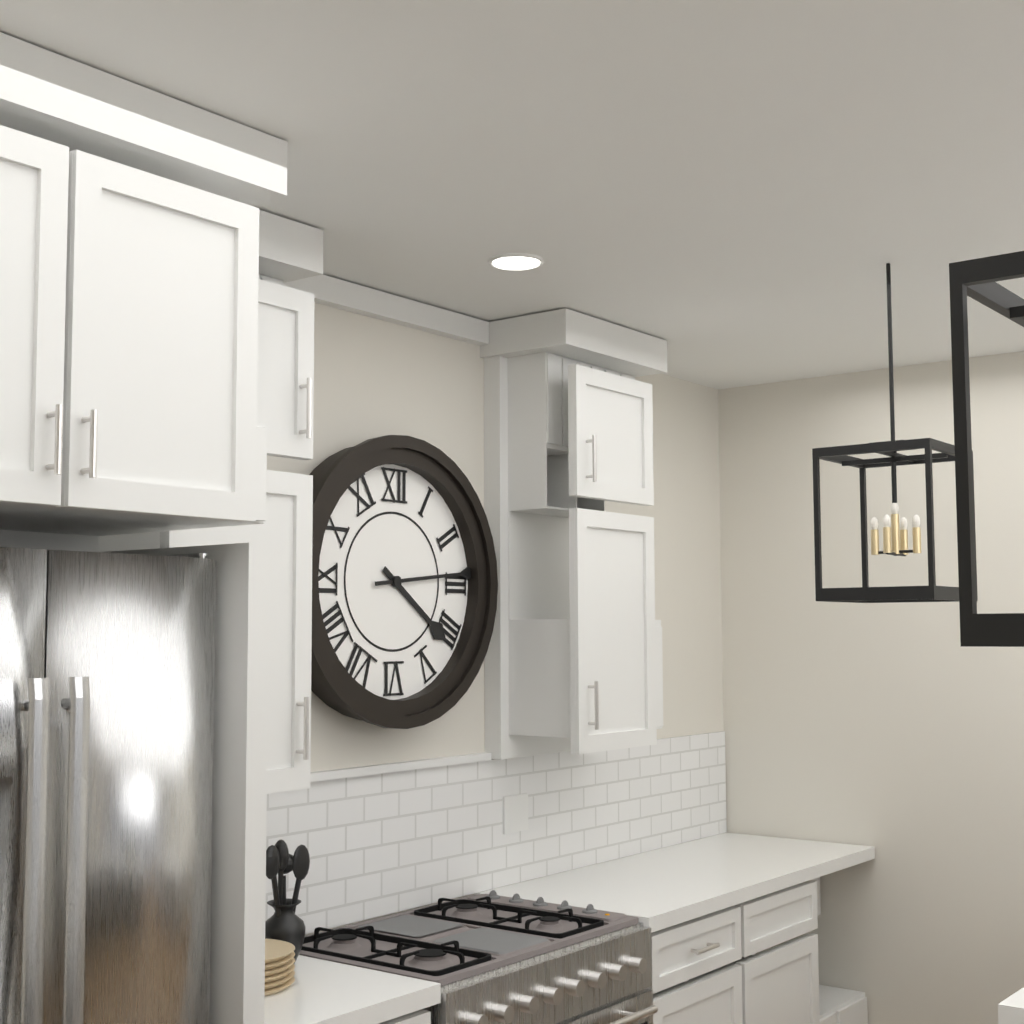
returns {"hour": 4, "minute": 14}
